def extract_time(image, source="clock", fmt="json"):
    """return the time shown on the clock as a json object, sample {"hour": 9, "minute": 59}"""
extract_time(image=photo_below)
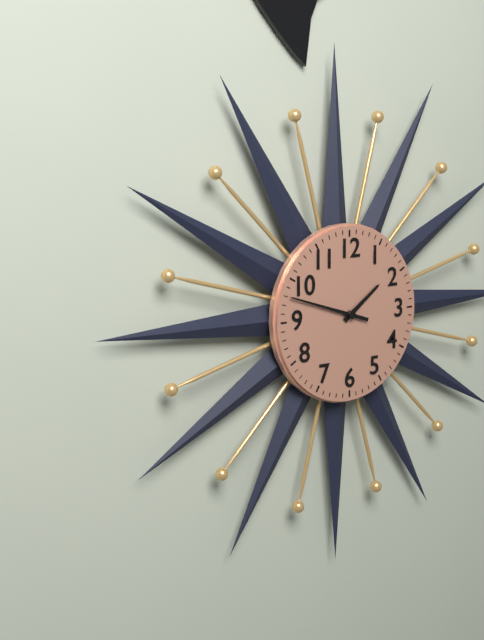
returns {"hour": 1, "minute": 48}
